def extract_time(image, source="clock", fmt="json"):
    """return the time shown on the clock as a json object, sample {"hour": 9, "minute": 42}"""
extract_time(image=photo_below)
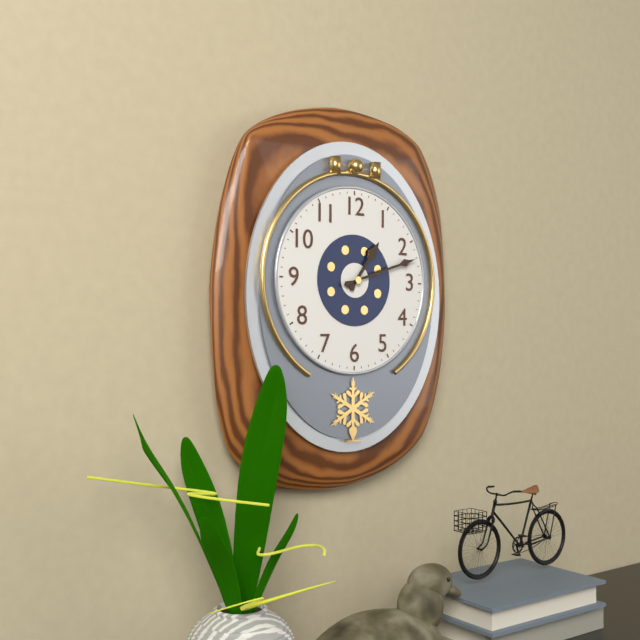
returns {"hour": 1, "minute": 12}
